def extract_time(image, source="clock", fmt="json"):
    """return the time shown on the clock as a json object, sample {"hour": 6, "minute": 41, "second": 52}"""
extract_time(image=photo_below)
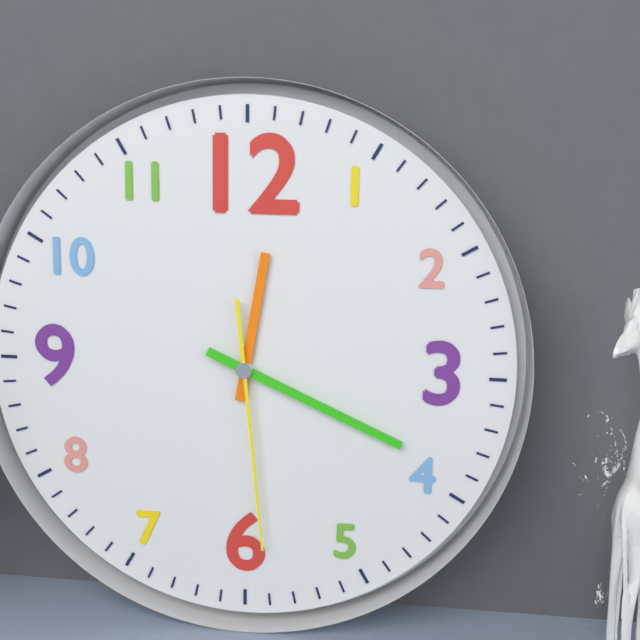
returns {"hour": 12, "minute": 19, "second": 29}
